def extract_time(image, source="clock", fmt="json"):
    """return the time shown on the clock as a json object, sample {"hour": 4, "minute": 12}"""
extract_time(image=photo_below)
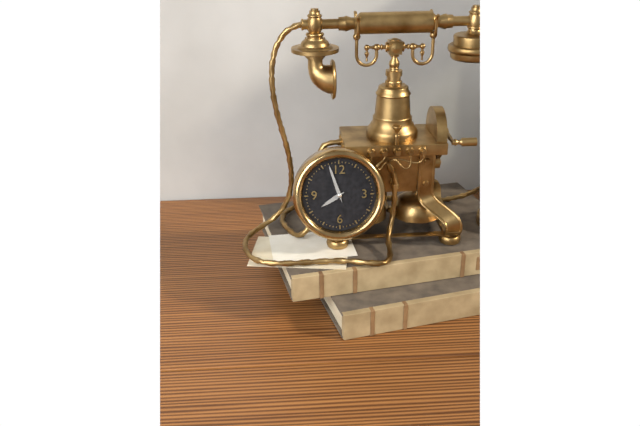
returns {"hour": 7, "minute": 57}
